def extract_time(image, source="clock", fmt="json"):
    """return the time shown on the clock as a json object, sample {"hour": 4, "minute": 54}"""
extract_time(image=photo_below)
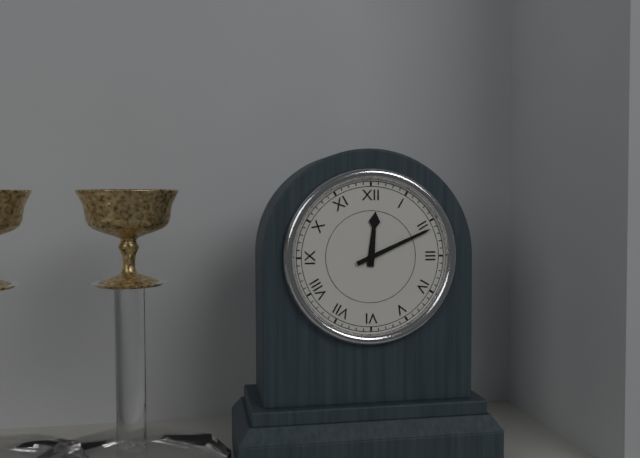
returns {"hour": 12, "minute": 11}
